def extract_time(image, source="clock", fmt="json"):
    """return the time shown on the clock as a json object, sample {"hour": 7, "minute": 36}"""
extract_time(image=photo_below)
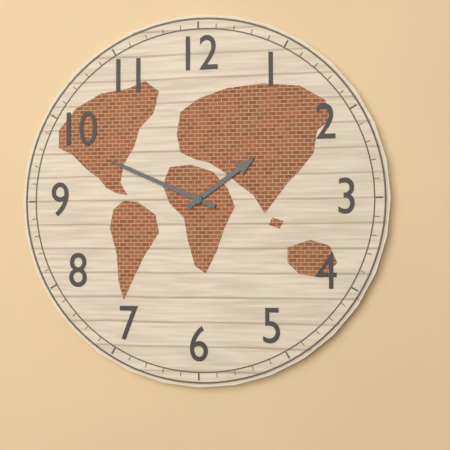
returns {"hour": 1, "minute": 49}
